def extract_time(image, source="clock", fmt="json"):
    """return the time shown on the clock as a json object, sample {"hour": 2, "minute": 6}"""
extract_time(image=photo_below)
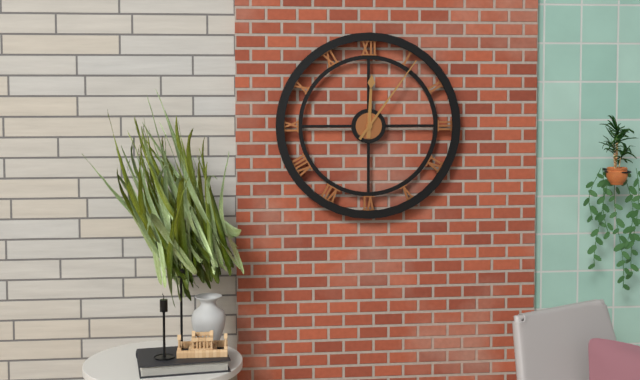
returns {"hour": 12, "minute": 6}
